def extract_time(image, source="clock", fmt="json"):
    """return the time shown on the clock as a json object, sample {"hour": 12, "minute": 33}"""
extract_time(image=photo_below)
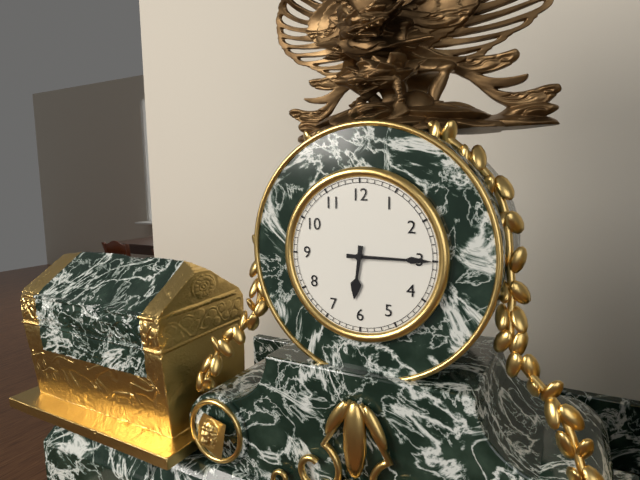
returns {"hour": 6, "minute": 15}
